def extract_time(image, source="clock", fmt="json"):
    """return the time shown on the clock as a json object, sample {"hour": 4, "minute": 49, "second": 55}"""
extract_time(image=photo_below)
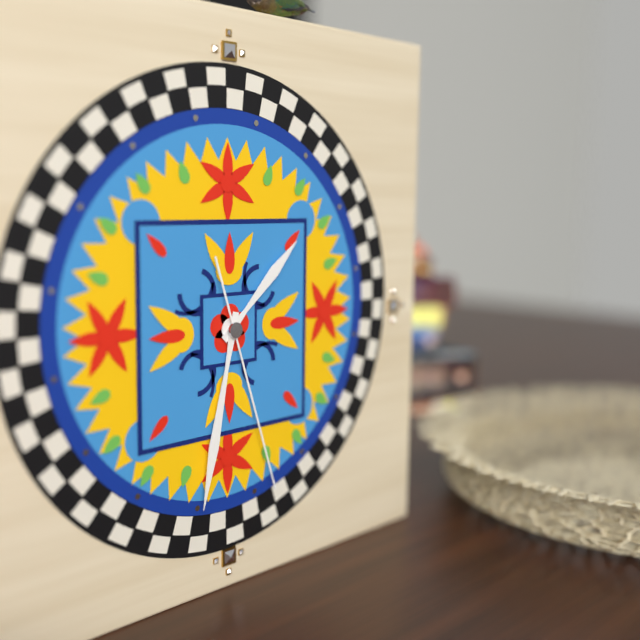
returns {"hour": 1, "minute": 32, "second": 27}
